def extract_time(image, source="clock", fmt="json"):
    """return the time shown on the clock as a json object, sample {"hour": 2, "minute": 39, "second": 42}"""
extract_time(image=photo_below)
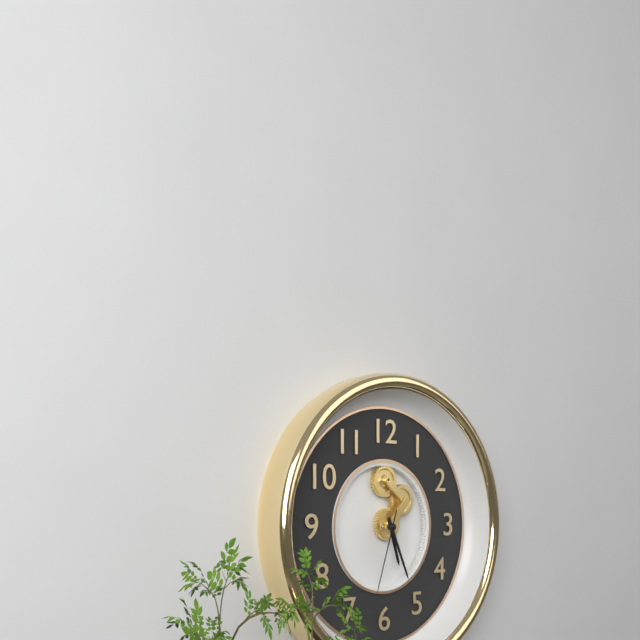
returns {"hour": 5, "minute": 26, "second": 33}
